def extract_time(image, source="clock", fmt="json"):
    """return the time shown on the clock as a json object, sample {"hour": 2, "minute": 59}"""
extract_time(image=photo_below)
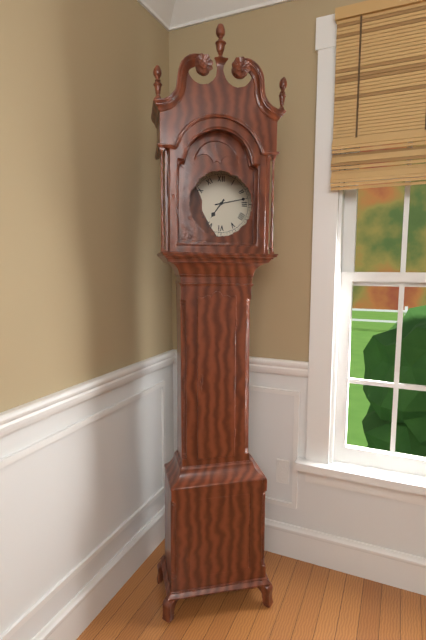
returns {"hour": 7, "minute": 13}
